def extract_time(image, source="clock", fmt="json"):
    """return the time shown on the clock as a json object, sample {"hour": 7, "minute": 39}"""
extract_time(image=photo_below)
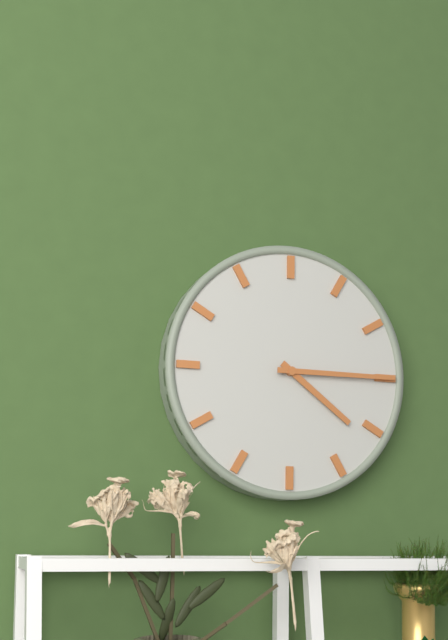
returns {"hour": 4, "minute": 15}
